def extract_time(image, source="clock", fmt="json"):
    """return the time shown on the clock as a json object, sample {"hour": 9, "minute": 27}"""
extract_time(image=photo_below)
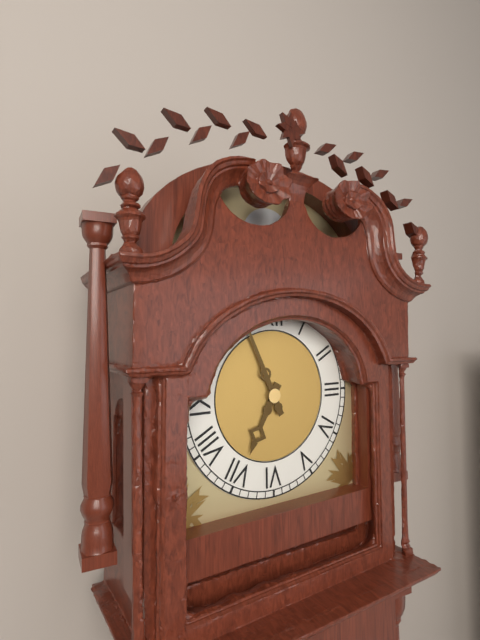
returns {"hour": 6, "minute": 56}
